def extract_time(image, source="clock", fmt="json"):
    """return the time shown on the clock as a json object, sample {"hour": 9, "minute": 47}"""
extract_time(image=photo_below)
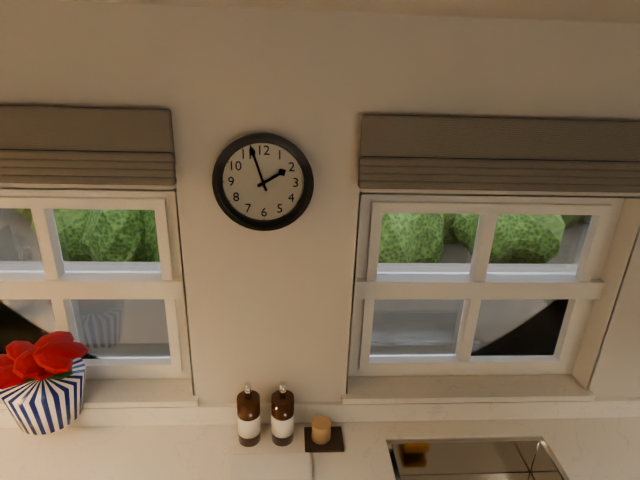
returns {"hour": 1, "minute": 57}
